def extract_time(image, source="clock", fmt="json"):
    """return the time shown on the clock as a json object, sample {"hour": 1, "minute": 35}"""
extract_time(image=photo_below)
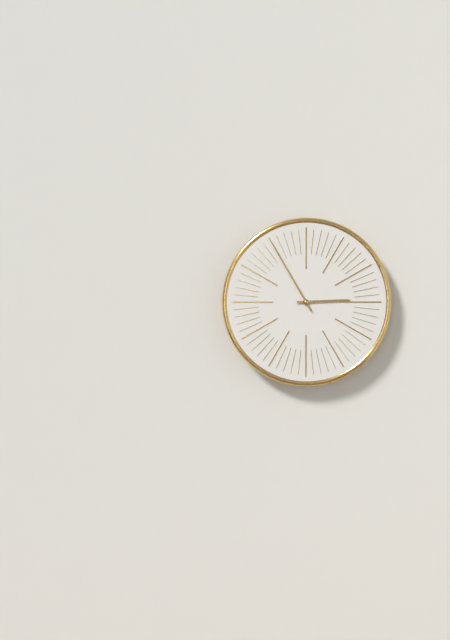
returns {"hour": 2, "minute": 55}
